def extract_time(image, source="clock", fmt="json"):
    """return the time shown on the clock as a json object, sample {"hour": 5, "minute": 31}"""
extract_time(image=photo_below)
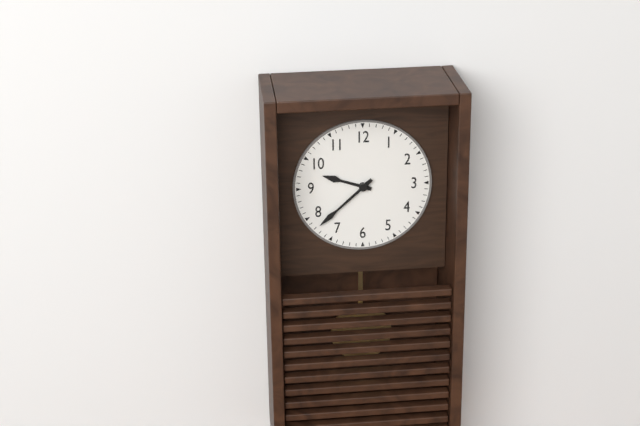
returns {"hour": 9, "minute": 38}
